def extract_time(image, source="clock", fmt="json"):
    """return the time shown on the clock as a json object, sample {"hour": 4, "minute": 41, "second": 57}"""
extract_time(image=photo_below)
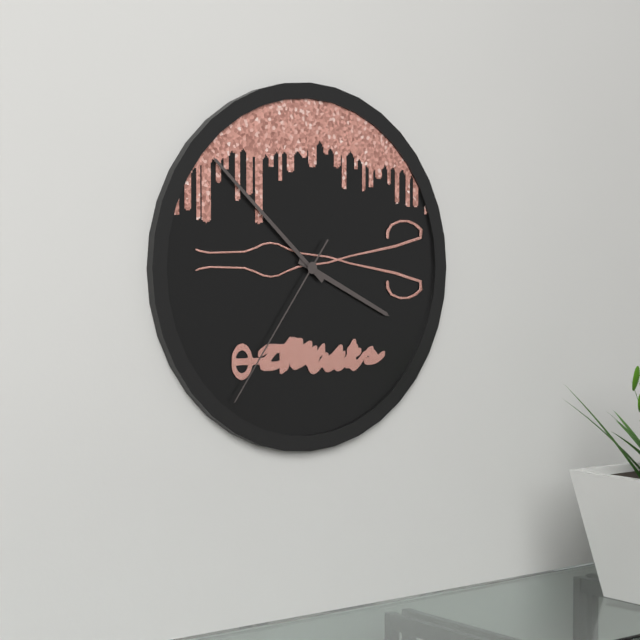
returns {"hour": 3, "minute": 52, "second": 36}
